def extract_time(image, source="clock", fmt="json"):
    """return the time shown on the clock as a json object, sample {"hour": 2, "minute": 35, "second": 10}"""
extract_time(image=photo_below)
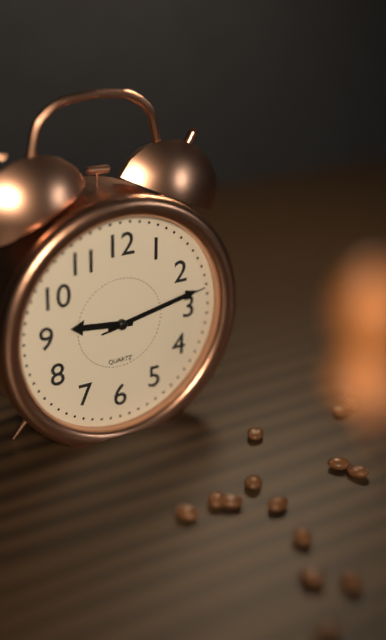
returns {"hour": 9, "minute": 13, "second": 13}
